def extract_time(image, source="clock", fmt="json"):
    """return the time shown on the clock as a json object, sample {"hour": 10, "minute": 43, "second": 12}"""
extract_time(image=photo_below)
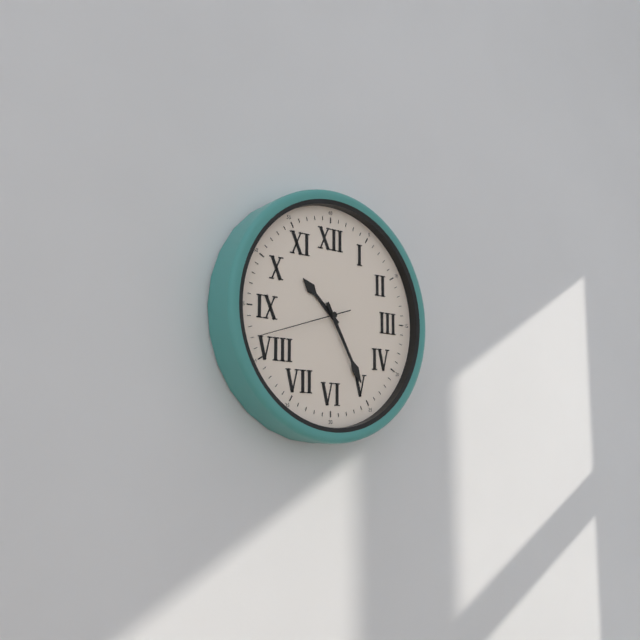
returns {"hour": 10, "minute": 25, "second": 42}
